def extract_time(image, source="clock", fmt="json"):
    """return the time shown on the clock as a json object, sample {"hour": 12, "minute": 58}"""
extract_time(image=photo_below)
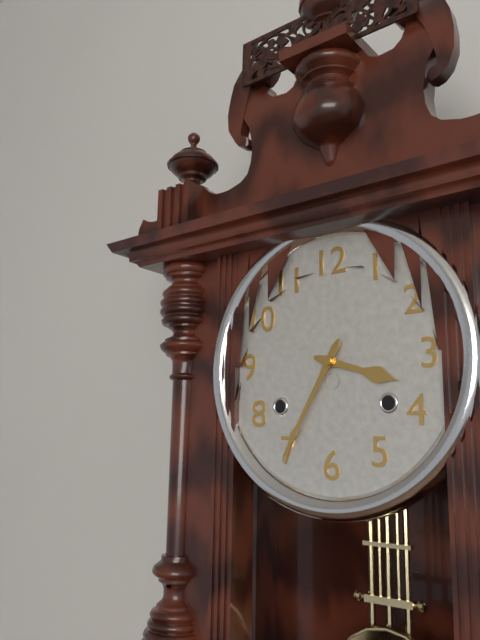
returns {"hour": 3, "minute": 35}
